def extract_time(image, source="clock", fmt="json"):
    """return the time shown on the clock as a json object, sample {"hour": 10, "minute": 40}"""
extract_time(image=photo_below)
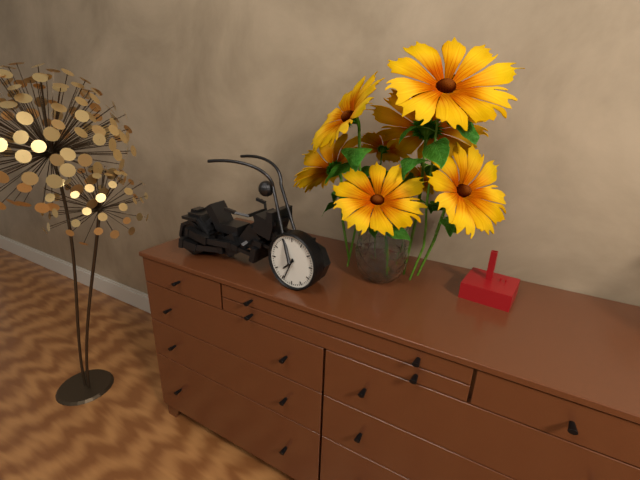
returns {"hour": 7, "minute": 34}
